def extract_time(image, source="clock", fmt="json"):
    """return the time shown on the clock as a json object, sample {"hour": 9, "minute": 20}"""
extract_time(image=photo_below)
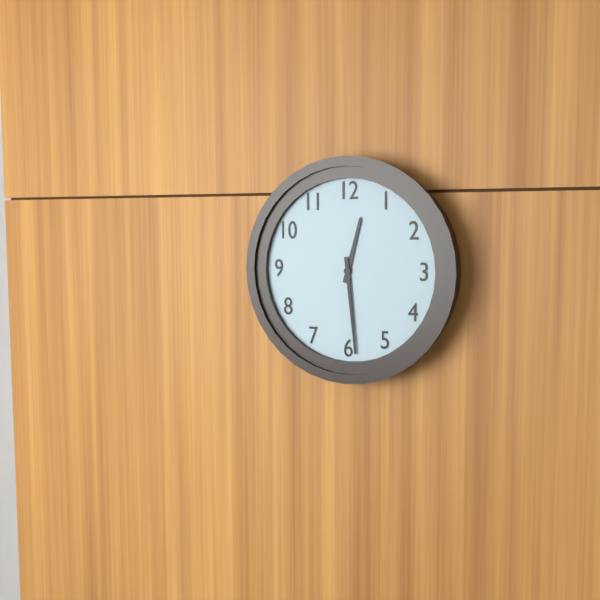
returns {"hour": 12, "minute": 29}
